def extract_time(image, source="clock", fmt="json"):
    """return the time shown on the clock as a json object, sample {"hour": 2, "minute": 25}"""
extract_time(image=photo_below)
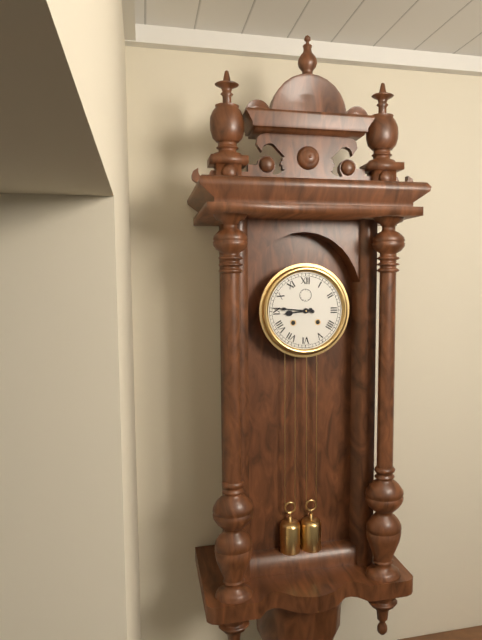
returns {"hour": 8, "minute": 46}
